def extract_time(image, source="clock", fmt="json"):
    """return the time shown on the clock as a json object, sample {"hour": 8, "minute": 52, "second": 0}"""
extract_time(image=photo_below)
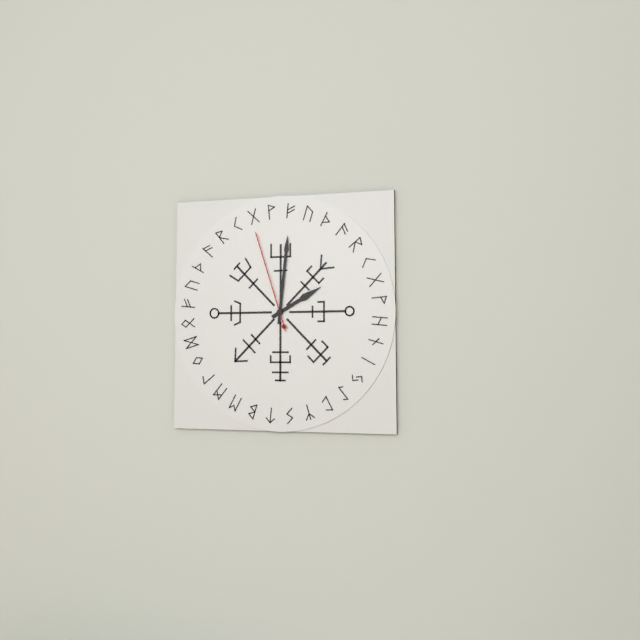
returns {"hour": 2, "minute": 1, "second": 57}
